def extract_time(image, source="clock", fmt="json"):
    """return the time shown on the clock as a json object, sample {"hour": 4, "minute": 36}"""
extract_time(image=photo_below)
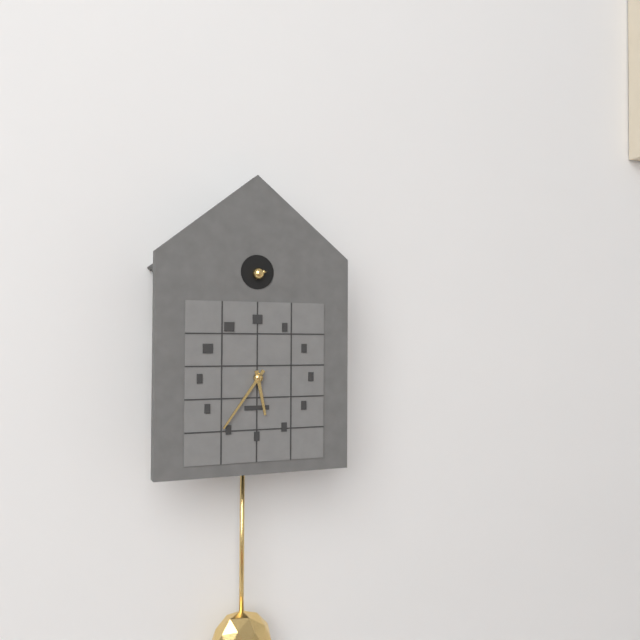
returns {"hour": 5, "minute": 36}
